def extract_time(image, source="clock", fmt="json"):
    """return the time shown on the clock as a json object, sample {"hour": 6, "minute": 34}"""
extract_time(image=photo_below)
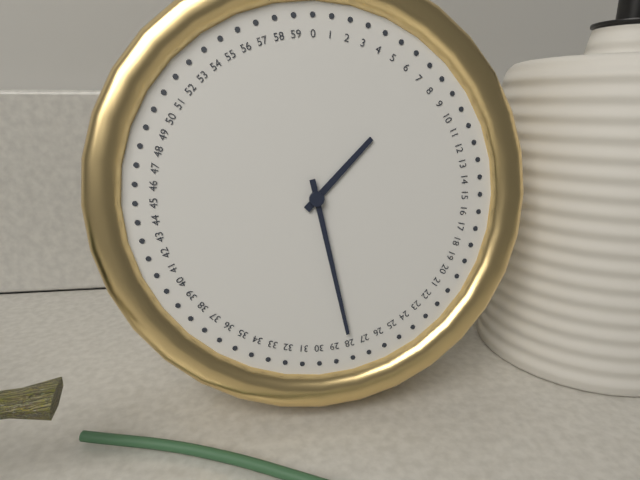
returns {"hour": 1, "minute": 28}
